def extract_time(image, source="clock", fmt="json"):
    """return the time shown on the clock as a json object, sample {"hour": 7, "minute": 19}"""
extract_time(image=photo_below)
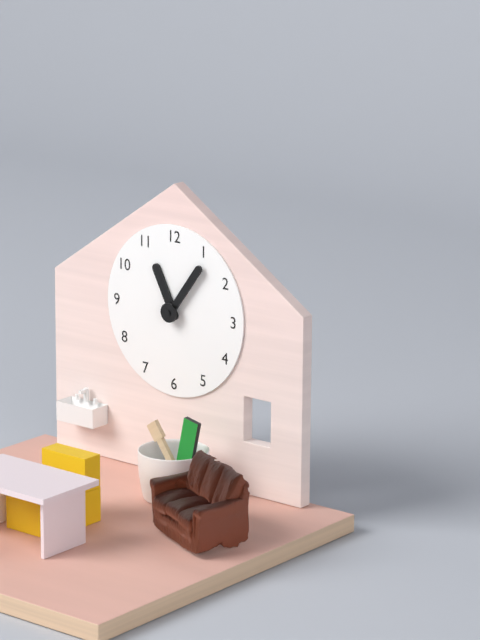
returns {"hour": 11, "minute": 6}
